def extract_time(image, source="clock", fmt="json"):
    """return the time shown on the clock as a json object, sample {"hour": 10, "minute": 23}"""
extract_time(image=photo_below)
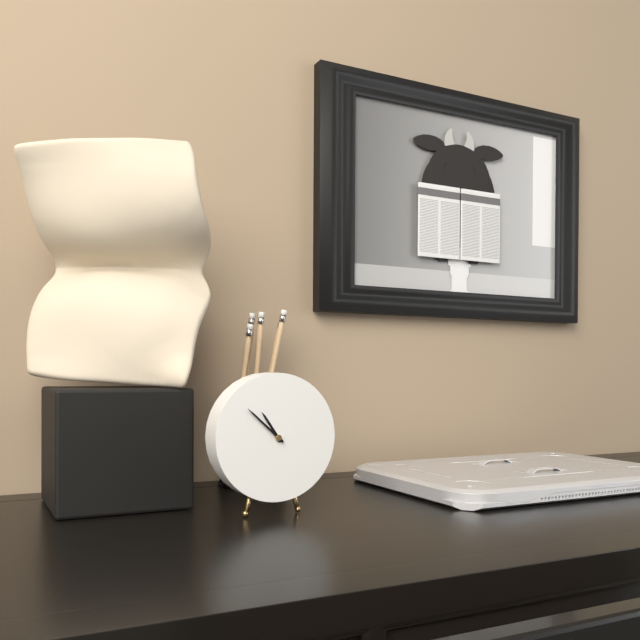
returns {"hour": 10, "minute": 52}
